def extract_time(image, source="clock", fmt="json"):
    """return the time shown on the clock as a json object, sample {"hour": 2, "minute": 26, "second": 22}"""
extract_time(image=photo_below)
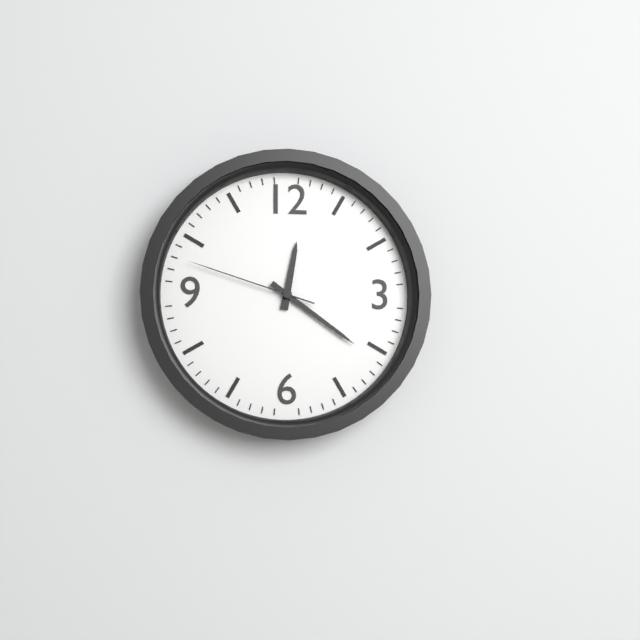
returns {"hour": 12, "minute": 21, "second": 48}
